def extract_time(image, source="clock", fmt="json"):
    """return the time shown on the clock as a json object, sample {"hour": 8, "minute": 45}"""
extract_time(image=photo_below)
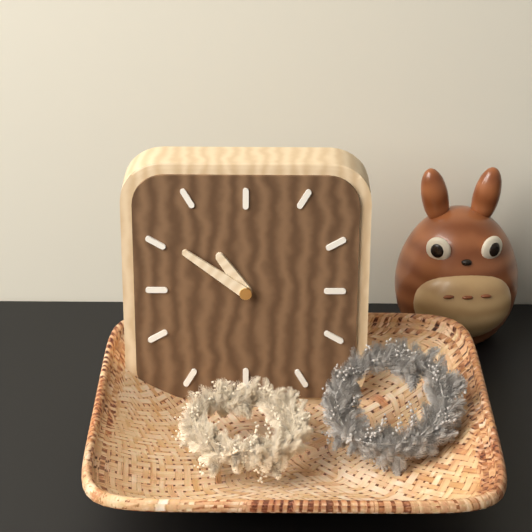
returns {"hour": 10, "minute": 51}
